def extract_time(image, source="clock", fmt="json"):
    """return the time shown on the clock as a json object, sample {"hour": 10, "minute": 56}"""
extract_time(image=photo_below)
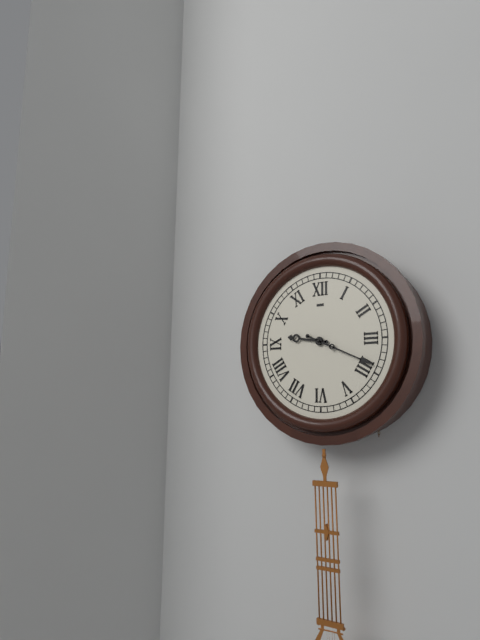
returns {"hour": 9, "minute": 19}
